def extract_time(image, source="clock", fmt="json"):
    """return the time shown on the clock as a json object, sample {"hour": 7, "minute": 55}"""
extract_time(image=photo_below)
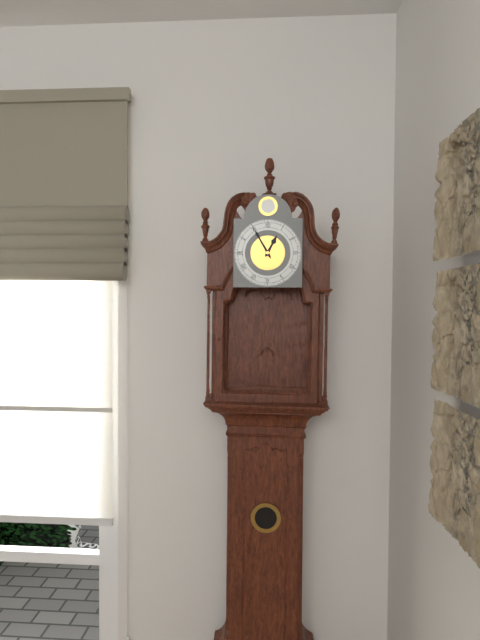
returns {"hour": 12, "minute": 55}
